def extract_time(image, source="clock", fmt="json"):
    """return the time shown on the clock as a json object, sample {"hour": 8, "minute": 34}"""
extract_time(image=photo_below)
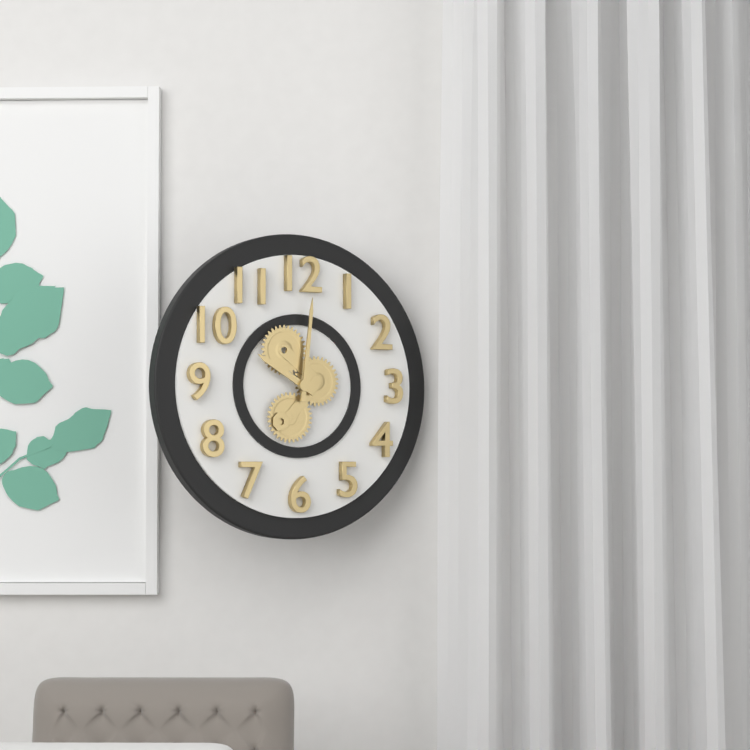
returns {"hour": 10, "minute": 1}
